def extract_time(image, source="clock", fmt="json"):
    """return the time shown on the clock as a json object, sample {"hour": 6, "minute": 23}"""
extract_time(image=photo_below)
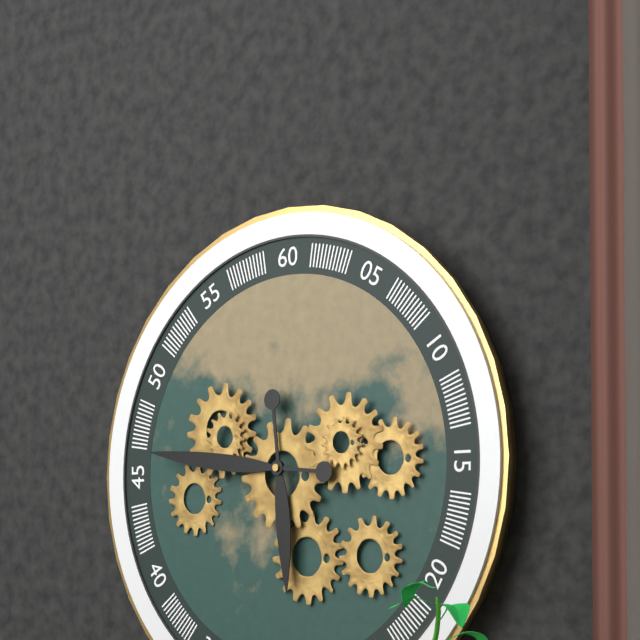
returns {"hour": 5, "minute": 46}
